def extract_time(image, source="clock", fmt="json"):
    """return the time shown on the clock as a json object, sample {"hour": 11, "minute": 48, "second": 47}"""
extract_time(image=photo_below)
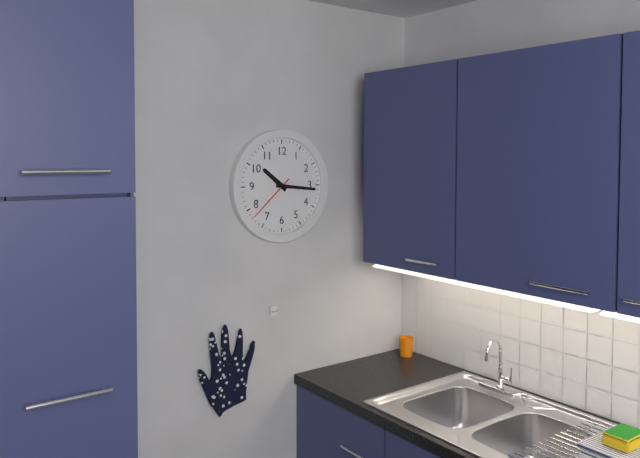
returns {"hour": 10, "minute": 16, "second": 38}
